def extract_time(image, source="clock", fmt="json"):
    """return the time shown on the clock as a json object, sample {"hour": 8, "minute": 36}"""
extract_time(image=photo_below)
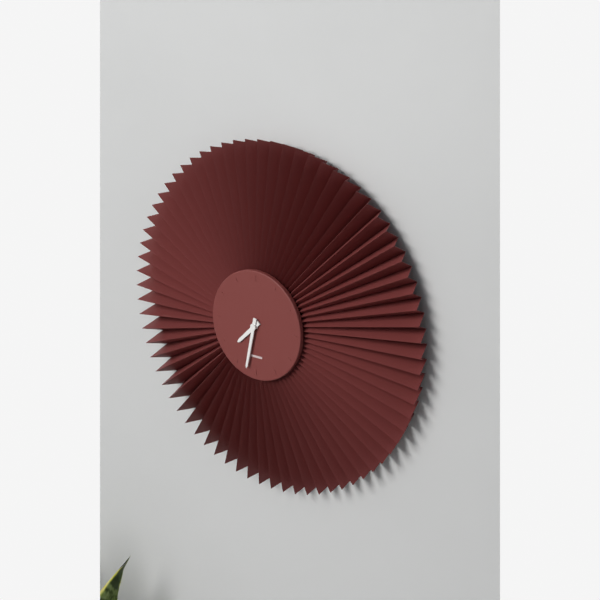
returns {"hour": 7, "minute": 32}
